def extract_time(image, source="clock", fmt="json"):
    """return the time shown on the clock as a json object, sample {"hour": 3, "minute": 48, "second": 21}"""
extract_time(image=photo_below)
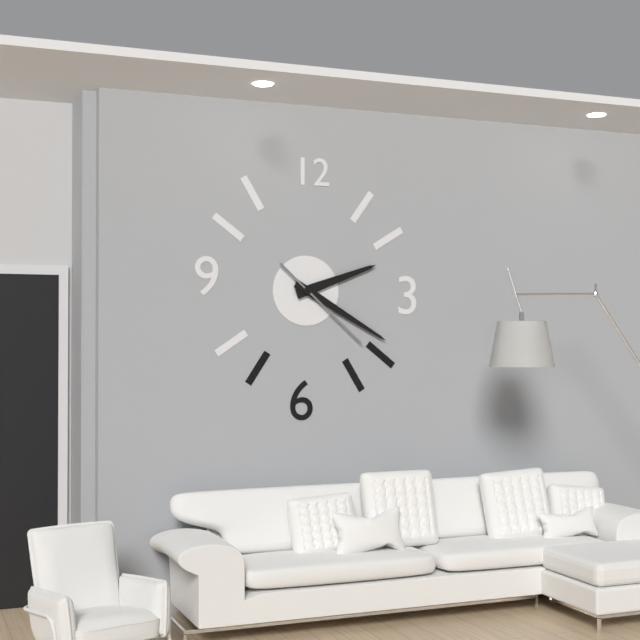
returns {"hour": 2, "minute": 20, "second": 22}
